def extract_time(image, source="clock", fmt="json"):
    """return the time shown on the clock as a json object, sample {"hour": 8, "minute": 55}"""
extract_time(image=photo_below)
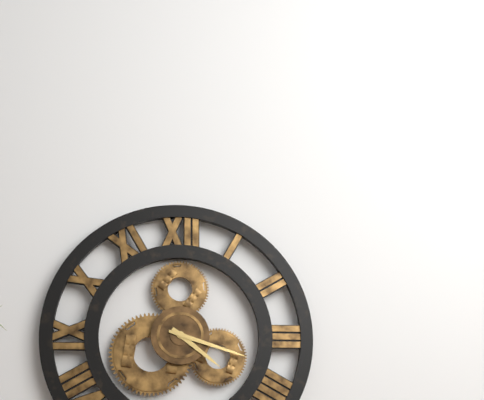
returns {"hour": 4, "minute": 18}
